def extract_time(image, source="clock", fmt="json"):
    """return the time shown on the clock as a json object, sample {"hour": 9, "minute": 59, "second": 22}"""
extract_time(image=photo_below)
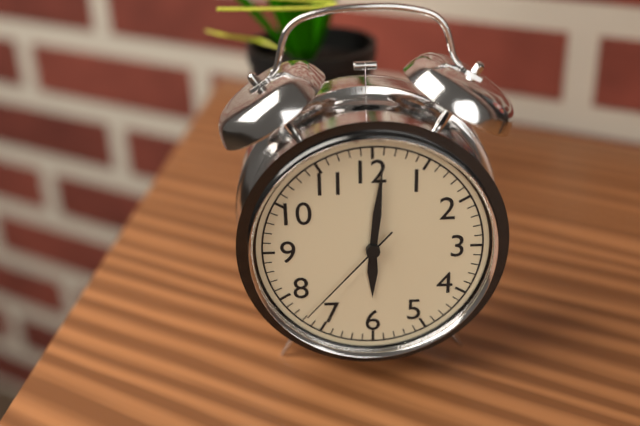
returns {"hour": 6, "minute": 1, "second": 37}
